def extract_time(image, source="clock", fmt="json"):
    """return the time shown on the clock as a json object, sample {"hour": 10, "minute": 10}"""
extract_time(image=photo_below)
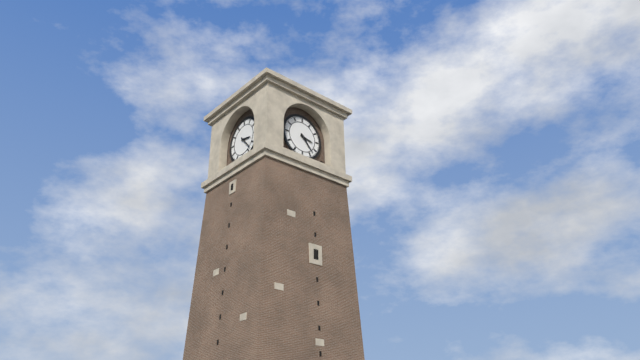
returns {"hour": 3, "minute": 23}
